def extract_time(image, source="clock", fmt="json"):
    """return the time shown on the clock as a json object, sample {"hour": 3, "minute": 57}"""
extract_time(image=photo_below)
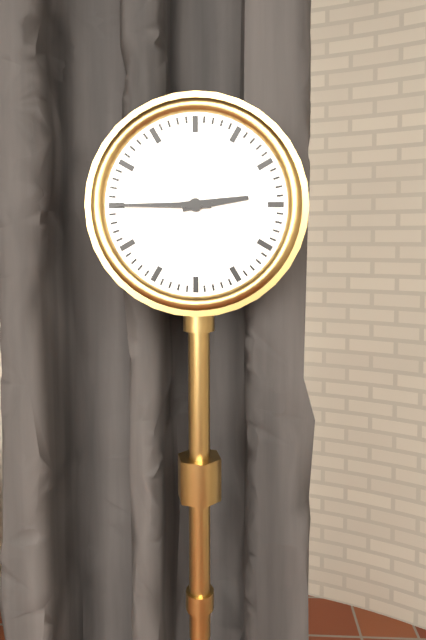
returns {"hour": 2, "minute": 45}
